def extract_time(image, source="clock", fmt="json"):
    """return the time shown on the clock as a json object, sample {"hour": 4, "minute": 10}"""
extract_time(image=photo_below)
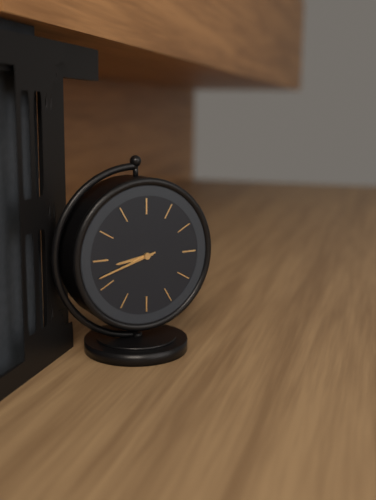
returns {"hour": 8, "minute": 42}
